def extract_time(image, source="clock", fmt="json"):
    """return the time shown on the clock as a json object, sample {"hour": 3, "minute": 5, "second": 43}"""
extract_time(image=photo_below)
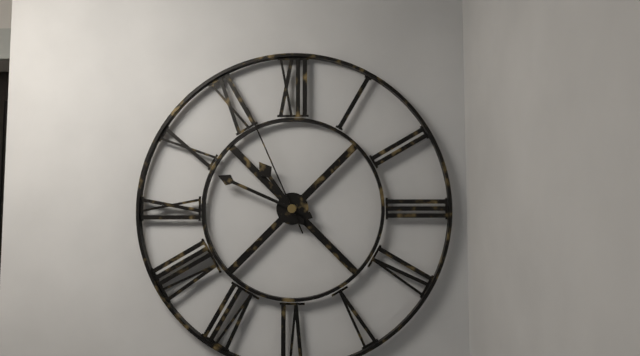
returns {"hour": 10, "minute": 49, "second": 56}
